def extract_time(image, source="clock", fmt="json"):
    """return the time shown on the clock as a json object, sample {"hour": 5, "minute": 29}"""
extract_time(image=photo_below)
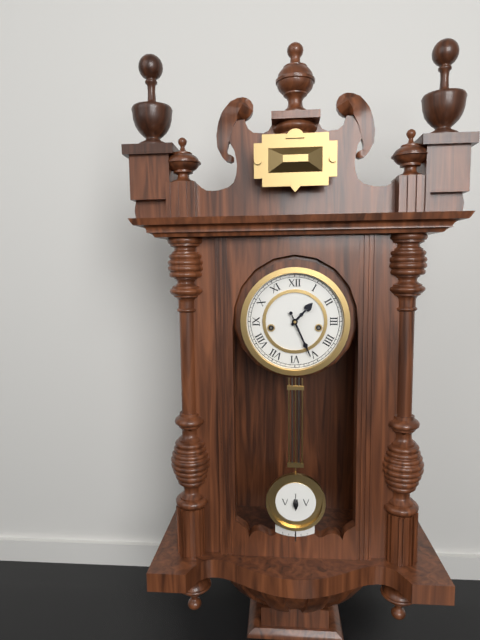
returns {"hour": 1, "minute": 26}
